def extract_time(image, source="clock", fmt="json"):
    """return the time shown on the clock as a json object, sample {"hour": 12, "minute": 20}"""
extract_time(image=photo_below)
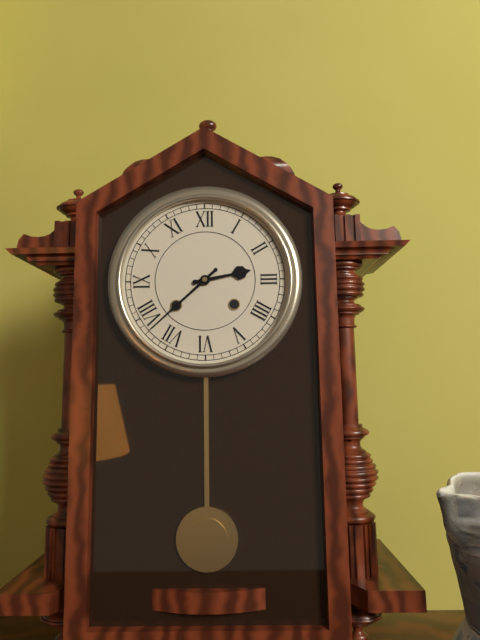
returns {"hour": 2, "minute": 38}
